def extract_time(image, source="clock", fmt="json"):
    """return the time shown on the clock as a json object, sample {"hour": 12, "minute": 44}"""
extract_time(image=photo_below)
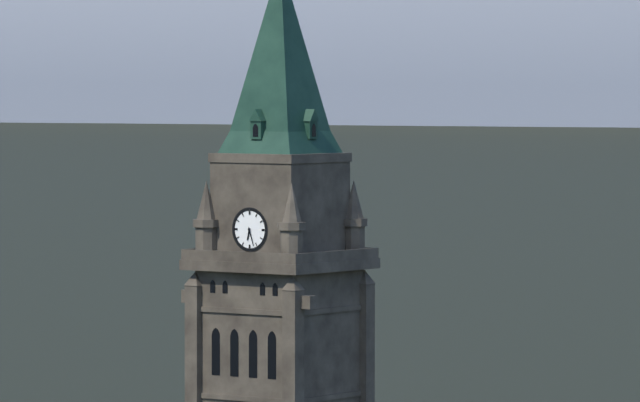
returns {"hour": 6, "minute": 27}
